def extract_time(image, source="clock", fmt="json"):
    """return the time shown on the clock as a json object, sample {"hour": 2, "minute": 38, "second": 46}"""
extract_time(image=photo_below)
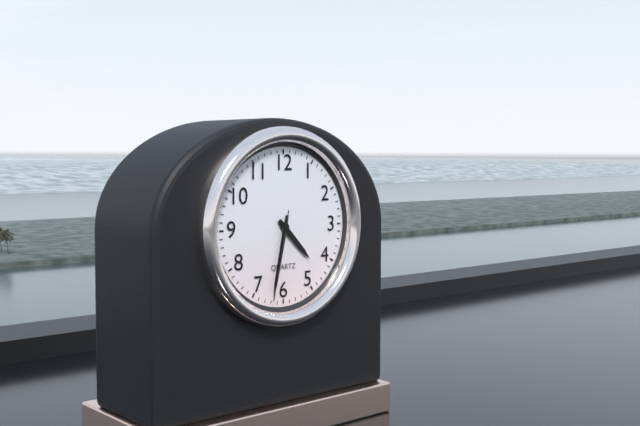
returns {"hour": 4, "minute": 32, "second": 32}
